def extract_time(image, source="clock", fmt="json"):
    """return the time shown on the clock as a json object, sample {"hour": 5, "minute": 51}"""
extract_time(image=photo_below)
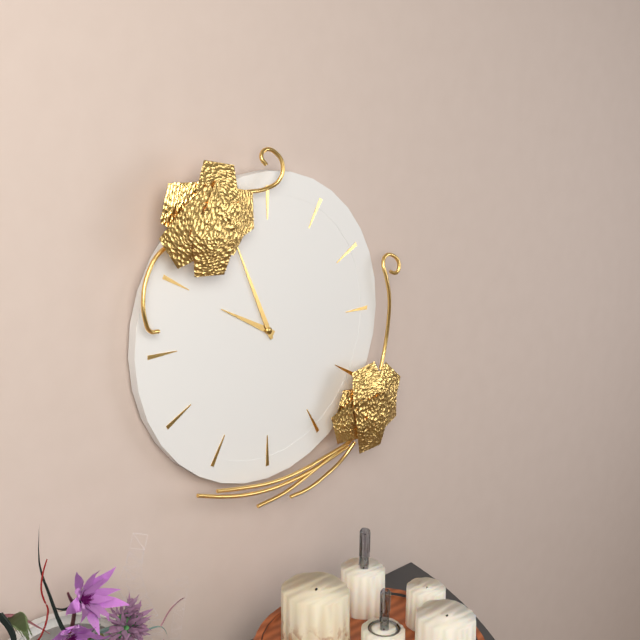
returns {"hour": 9, "minute": 56}
